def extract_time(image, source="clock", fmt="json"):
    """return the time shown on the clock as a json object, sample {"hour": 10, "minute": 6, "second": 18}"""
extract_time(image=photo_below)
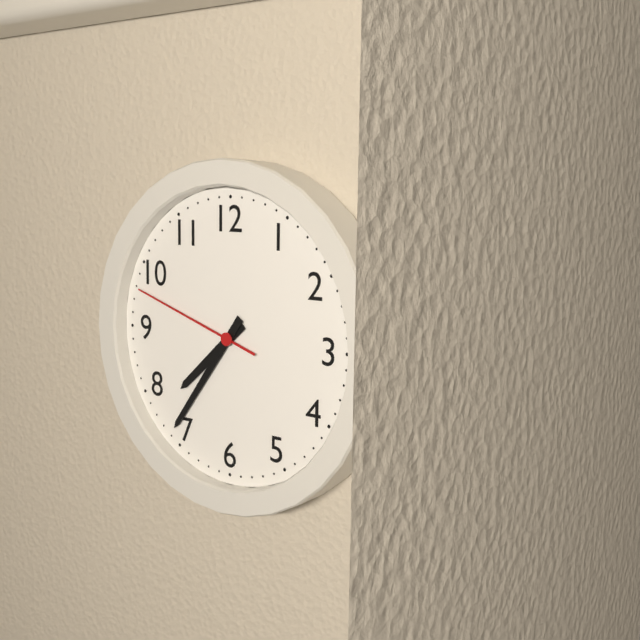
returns {"hour": 7, "minute": 36, "second": 48}
